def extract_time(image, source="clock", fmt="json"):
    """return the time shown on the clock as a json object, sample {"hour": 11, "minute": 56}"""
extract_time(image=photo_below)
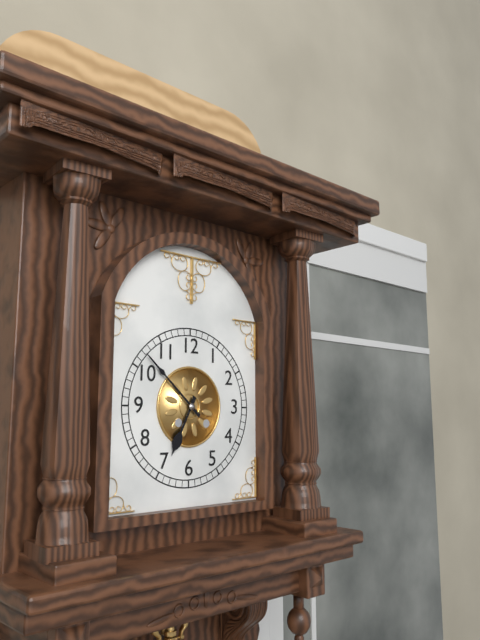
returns {"hour": 6, "minute": 52}
